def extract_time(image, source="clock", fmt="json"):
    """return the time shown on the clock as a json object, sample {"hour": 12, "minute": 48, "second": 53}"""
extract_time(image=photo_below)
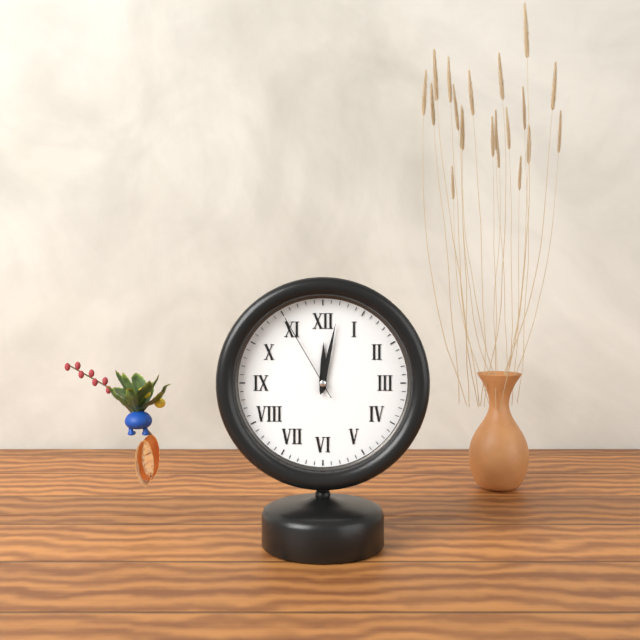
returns {"hour": 12, "minute": 2, "second": 55}
